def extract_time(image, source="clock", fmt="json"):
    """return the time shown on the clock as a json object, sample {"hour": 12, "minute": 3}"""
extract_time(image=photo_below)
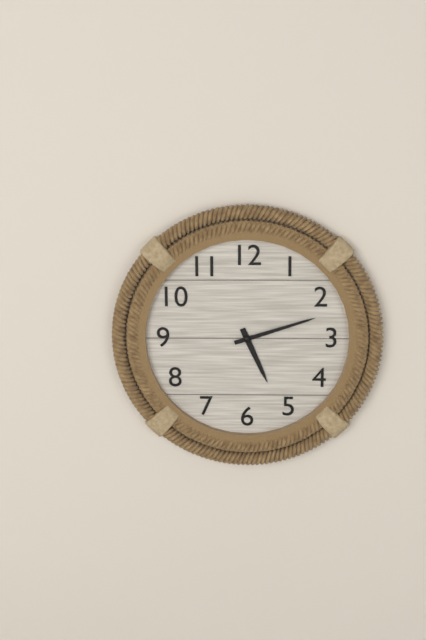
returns {"hour": 5, "minute": 12}
